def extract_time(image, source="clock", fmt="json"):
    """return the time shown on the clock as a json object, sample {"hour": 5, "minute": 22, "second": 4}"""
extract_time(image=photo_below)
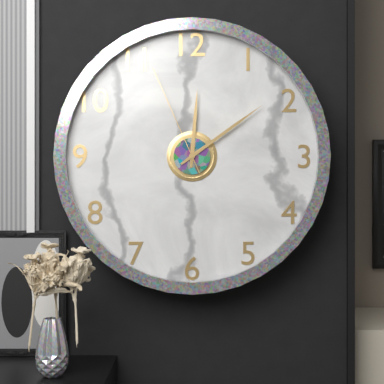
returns {"hour": 12, "minute": 9, "second": 56}
